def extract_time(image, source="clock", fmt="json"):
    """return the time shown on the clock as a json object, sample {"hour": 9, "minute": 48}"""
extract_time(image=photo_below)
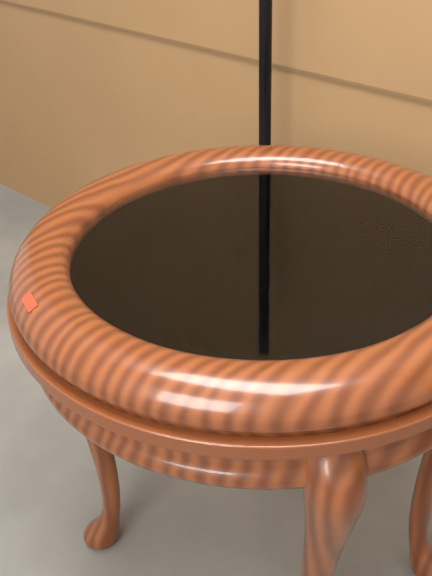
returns {"hour": 9, "minute": 35}
